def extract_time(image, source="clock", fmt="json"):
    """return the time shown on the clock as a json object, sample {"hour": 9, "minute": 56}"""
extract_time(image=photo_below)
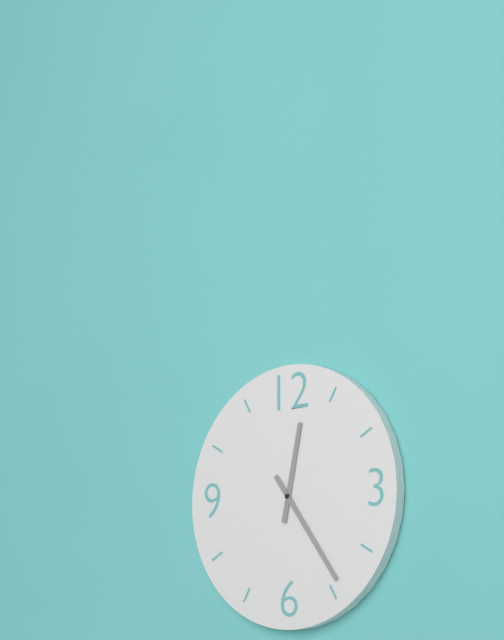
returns {"hour": 12, "minute": 24}
